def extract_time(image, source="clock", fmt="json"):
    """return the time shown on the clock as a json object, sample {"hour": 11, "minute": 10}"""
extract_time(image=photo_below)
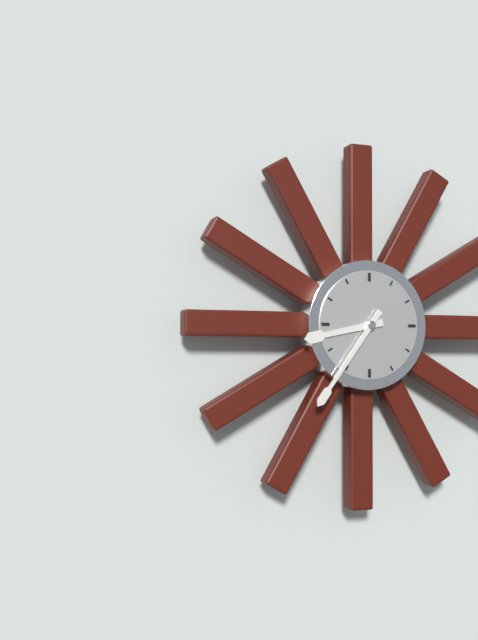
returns {"hour": 8, "minute": 36}
